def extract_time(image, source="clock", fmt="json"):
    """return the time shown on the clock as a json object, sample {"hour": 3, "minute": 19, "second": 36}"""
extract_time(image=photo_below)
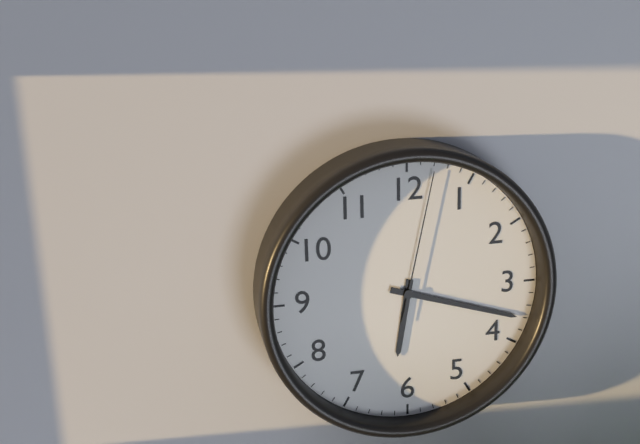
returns {"hour": 6, "minute": 18, "second": 2}
